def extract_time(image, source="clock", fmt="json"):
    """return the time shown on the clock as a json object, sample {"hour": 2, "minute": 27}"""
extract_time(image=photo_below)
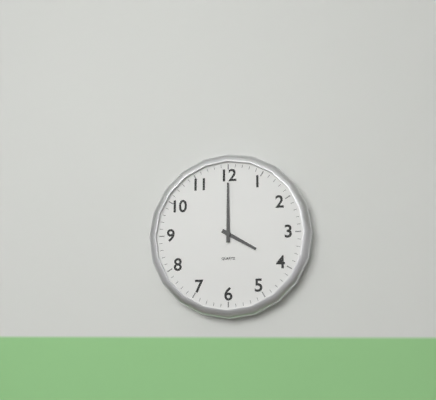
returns {"hour": 4, "minute": 0}
